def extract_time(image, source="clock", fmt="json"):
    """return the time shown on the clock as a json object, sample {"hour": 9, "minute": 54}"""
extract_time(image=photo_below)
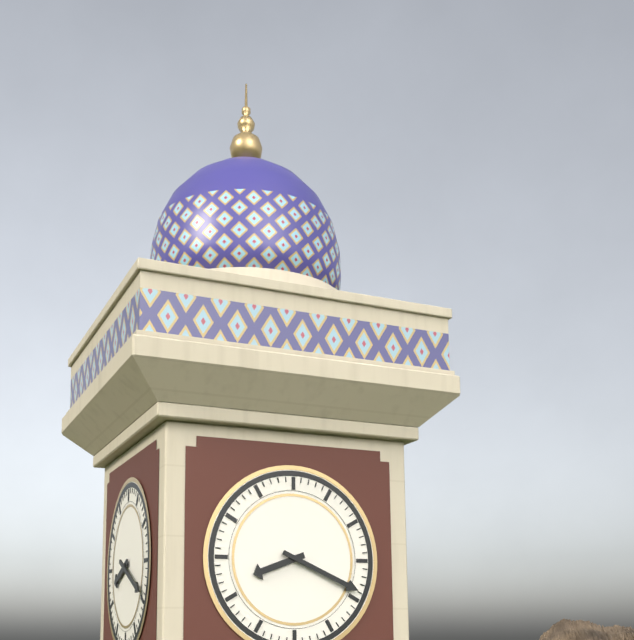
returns {"hour": 8, "minute": 19}
